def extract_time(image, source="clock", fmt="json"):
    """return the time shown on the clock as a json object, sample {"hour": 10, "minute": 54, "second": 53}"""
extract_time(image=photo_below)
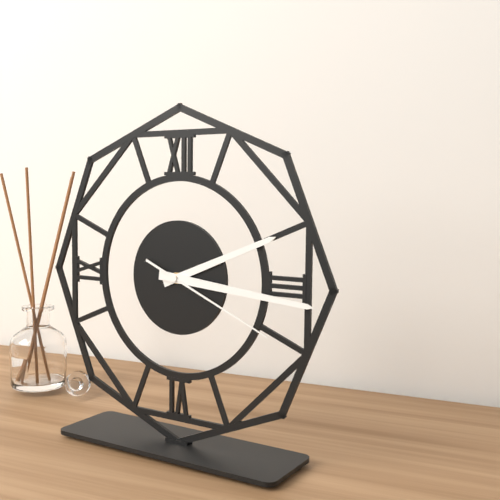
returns {"hour": 2, "minute": 16, "second": 19}
